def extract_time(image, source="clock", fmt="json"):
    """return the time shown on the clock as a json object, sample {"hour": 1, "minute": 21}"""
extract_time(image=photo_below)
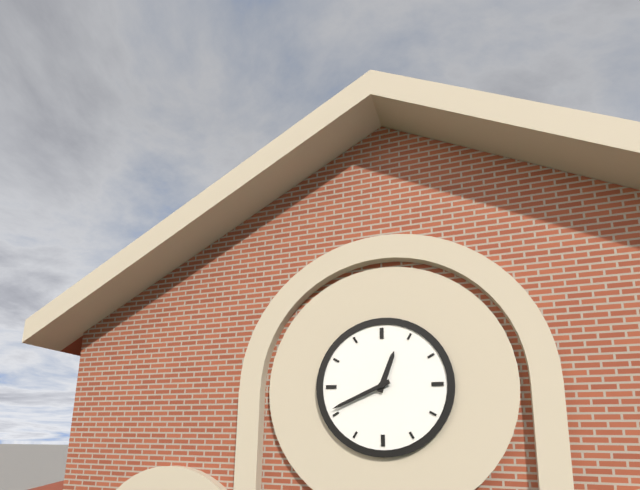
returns {"hour": 12, "minute": 41}
